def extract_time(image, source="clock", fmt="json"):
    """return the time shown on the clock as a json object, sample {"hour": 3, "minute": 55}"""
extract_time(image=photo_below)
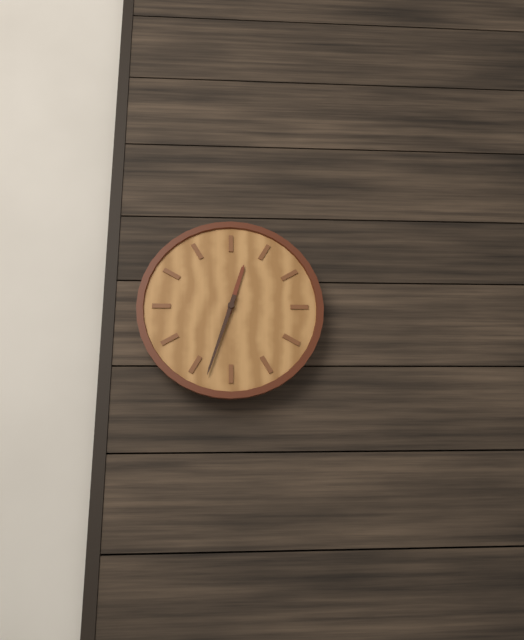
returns {"hour": 12, "minute": 33}
